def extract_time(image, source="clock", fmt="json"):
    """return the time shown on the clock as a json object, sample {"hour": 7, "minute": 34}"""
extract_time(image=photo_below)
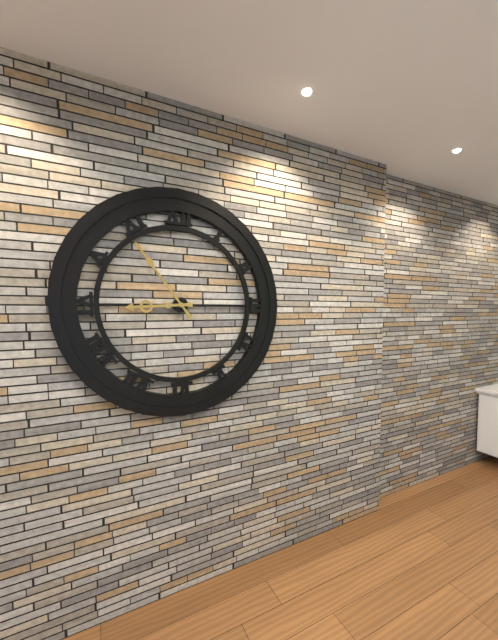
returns {"hour": 8, "minute": 54}
